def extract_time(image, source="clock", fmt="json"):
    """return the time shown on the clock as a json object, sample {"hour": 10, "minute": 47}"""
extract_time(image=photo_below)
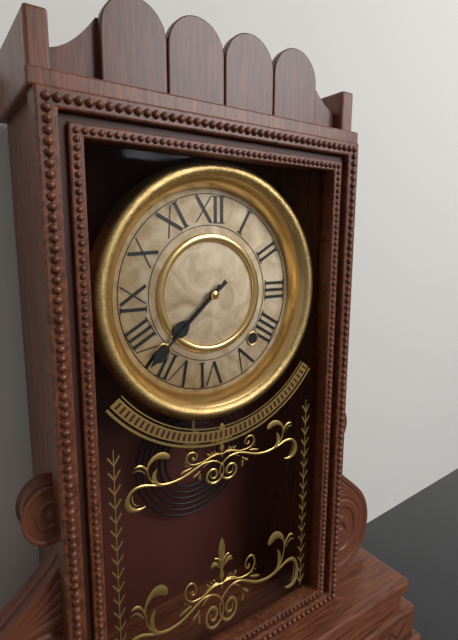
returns {"hour": 7, "minute": 38}
